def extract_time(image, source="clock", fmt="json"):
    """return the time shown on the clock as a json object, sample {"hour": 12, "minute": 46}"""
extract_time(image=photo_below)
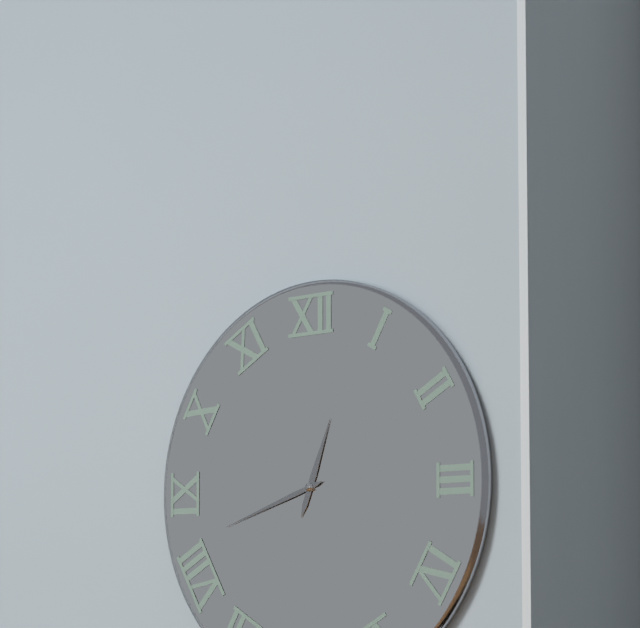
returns {"hour": 12, "minute": 42}
